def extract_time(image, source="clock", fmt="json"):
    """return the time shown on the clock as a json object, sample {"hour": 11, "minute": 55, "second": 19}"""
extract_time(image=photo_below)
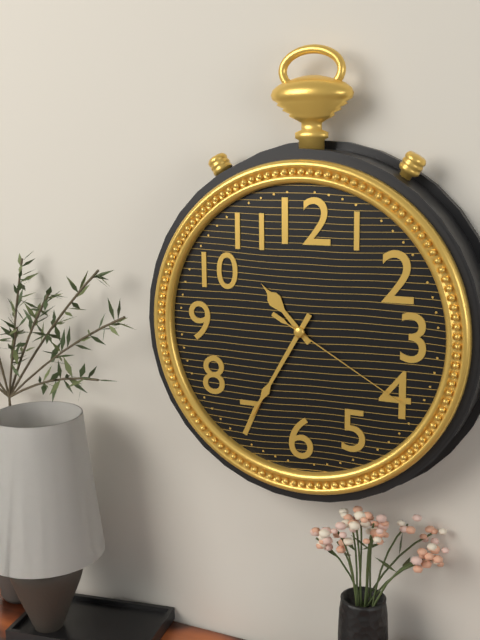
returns {"hour": 10, "minute": 35, "second": 20}
